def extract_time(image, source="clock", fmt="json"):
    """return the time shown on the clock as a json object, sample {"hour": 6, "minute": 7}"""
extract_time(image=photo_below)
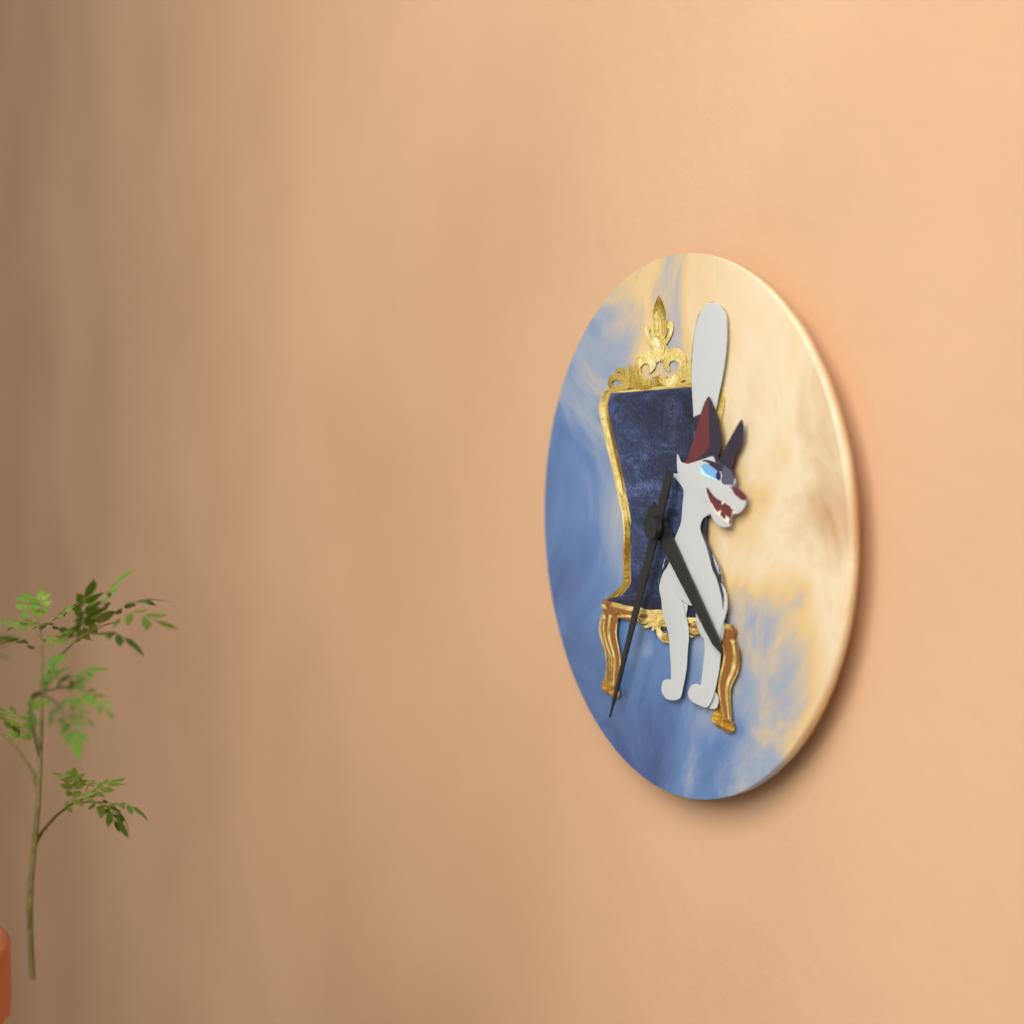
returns {"hour": 4, "minute": 34}
